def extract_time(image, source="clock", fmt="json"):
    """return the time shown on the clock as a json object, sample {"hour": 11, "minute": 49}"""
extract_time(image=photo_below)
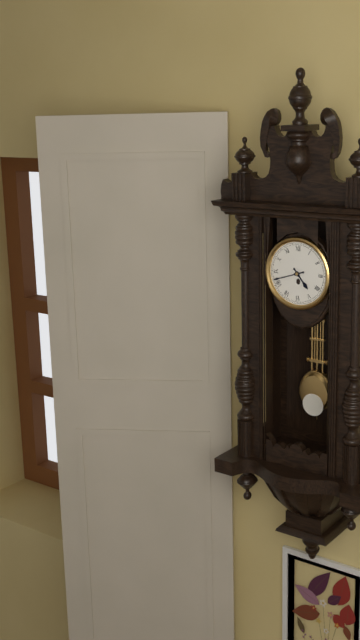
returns {"hour": 4, "minute": 42}
